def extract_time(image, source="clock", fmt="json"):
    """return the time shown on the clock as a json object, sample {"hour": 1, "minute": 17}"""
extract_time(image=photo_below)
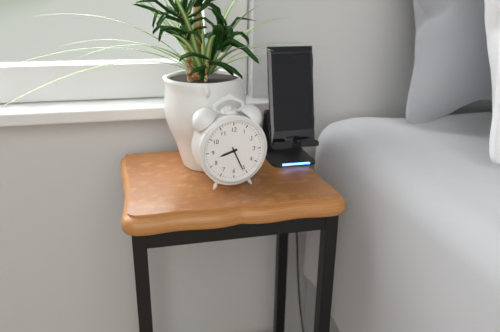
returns {"hour": 8, "minute": 26}
